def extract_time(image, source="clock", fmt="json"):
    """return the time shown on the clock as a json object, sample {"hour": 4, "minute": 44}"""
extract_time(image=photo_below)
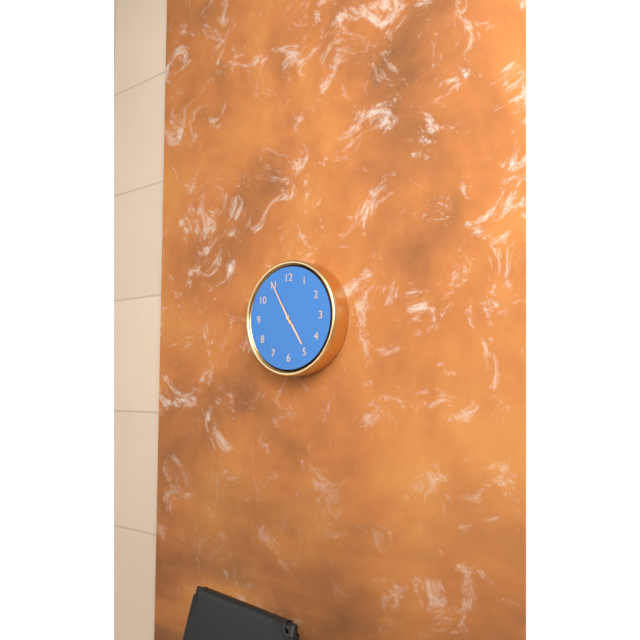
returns {"hour": 4, "minute": 55}
